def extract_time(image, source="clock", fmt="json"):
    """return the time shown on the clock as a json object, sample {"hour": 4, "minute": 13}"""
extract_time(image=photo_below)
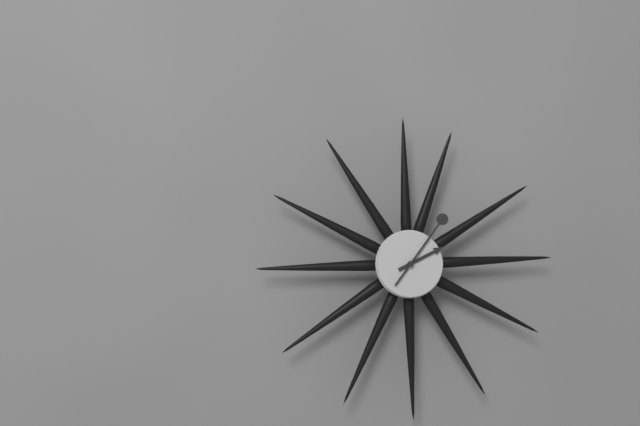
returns {"hour": 2, "minute": 6}
